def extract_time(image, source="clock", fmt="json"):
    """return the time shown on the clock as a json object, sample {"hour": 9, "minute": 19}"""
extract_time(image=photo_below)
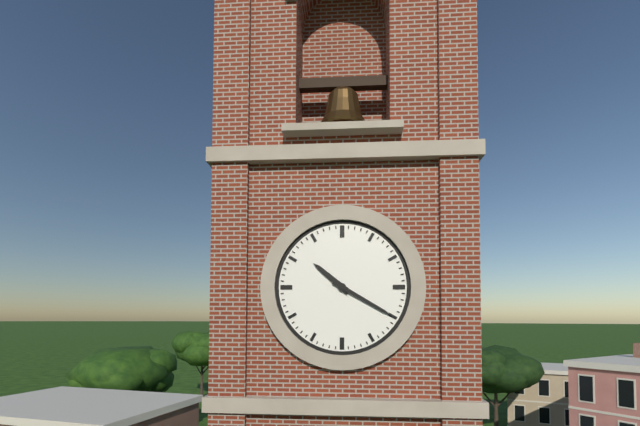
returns {"hour": 10, "minute": 20}
